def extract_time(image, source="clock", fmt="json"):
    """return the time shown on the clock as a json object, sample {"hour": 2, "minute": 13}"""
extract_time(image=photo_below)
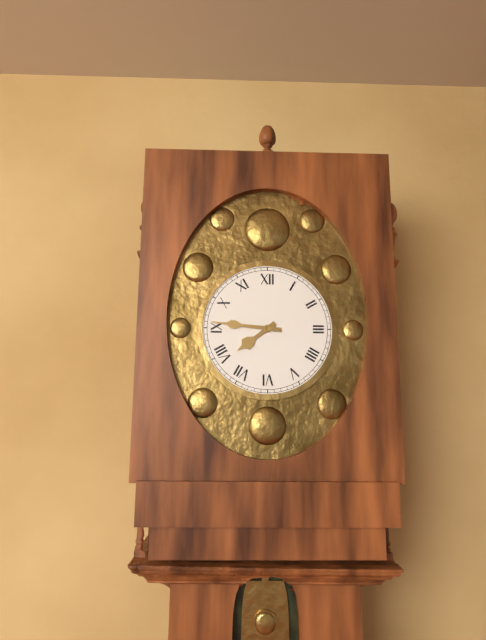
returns {"hour": 7, "minute": 46}
